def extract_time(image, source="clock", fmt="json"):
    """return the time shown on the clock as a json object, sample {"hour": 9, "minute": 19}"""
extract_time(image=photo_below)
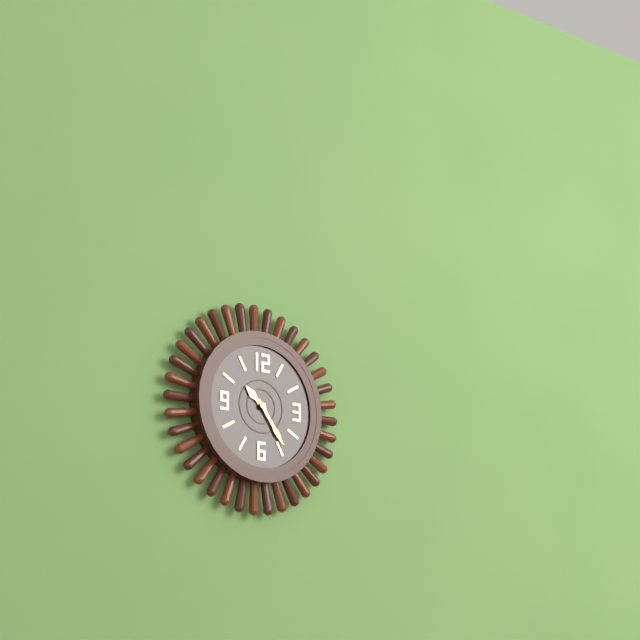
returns {"hour": 10, "minute": 24}
